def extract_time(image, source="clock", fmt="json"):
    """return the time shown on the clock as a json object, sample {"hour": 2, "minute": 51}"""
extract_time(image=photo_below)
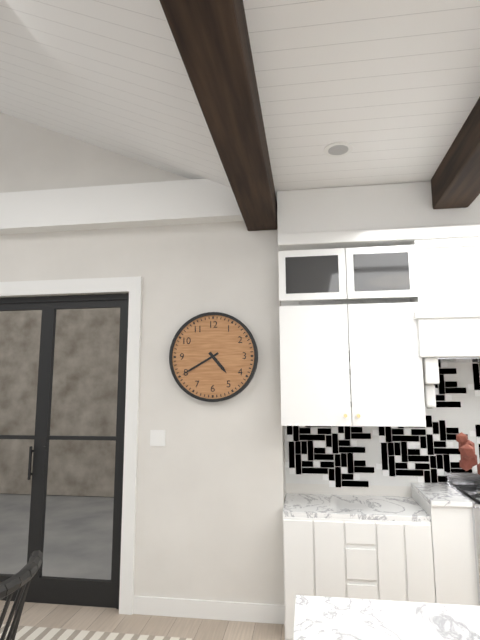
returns {"hour": 4, "minute": 40}
